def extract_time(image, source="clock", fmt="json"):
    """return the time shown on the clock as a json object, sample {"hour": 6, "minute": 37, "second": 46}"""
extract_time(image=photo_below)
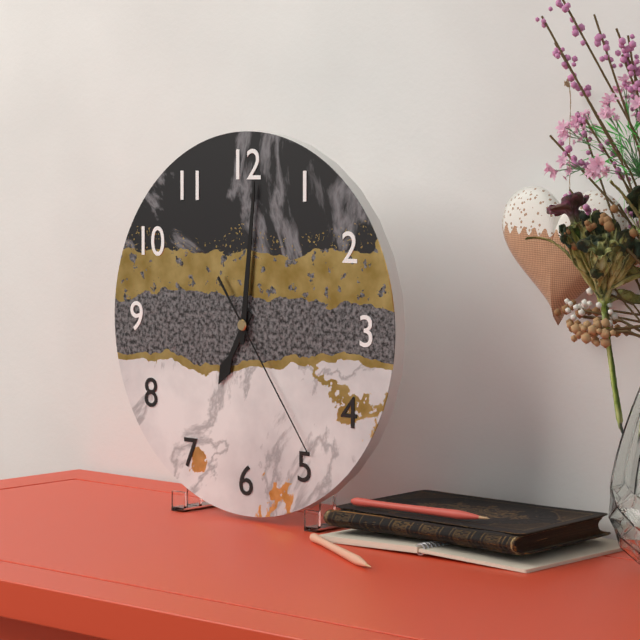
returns {"hour": 7, "minute": 1, "second": 24}
